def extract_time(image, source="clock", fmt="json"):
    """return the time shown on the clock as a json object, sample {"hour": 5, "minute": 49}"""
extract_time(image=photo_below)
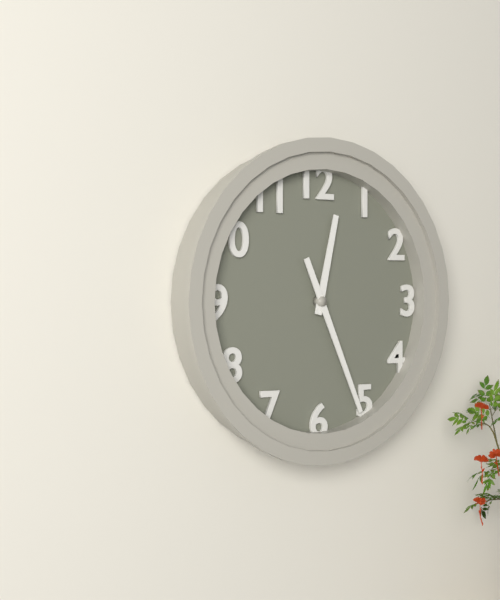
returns {"hour": 12, "minute": 26}
